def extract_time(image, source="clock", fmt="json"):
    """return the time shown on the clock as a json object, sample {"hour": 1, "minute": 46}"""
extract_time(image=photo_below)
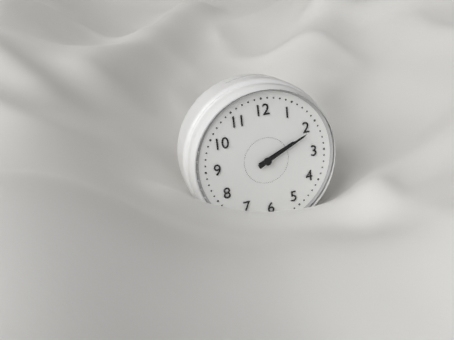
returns {"hour": 2, "minute": 11}
